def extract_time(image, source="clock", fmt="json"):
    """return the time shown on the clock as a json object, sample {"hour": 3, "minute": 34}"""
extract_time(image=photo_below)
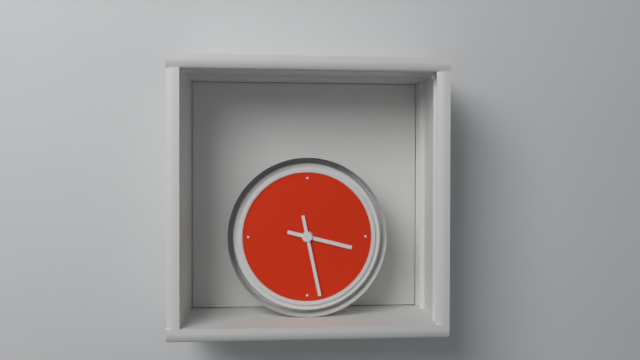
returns {"hour": 3, "minute": 28}
